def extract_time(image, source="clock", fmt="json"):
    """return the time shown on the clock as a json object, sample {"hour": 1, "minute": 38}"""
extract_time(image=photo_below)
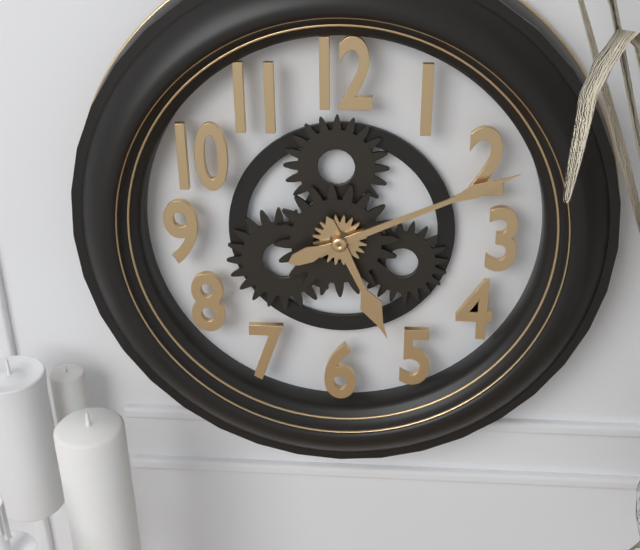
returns {"hour": 5, "minute": 11}
